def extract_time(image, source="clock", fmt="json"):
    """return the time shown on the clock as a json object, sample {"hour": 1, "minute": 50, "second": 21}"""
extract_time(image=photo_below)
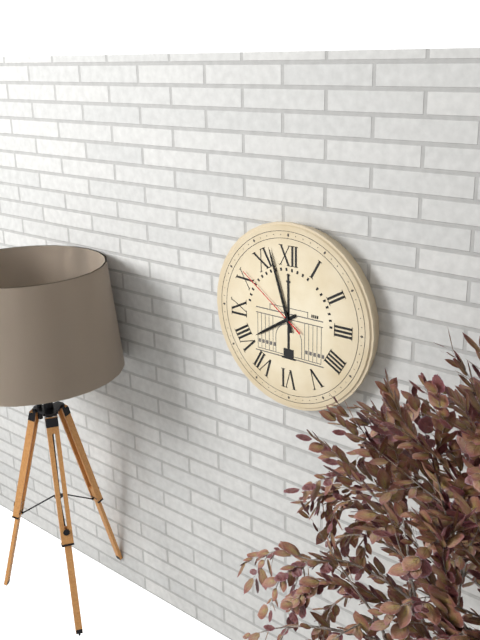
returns {"hour": 7, "minute": 57, "second": 51}
